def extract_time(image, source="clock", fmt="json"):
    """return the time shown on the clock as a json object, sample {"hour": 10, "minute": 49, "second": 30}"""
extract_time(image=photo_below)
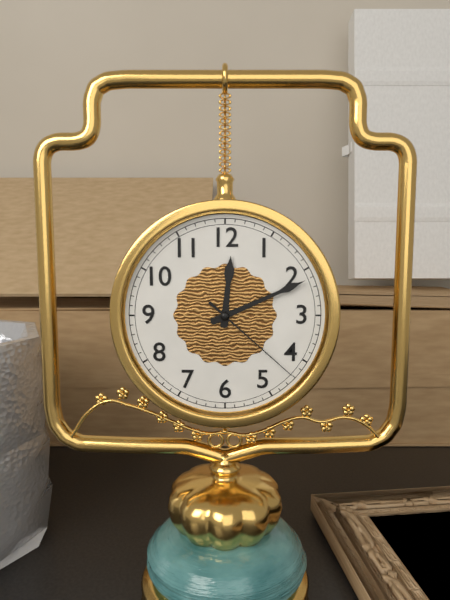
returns {"hour": 12, "minute": 11, "second": 22}
